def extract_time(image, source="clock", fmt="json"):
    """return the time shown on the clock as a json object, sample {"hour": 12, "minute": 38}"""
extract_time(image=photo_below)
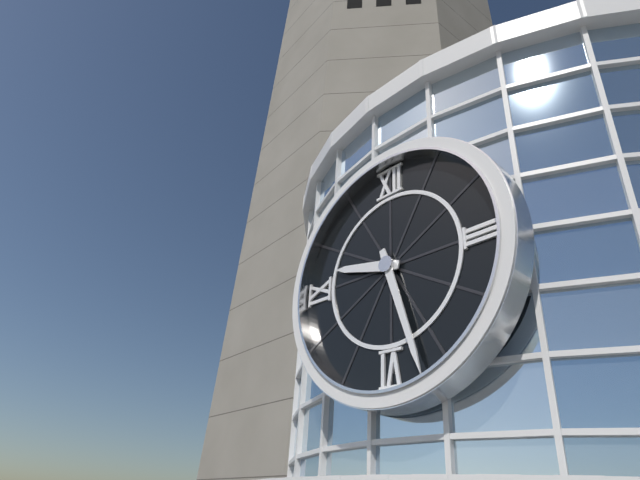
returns {"hour": 9, "minute": 27}
